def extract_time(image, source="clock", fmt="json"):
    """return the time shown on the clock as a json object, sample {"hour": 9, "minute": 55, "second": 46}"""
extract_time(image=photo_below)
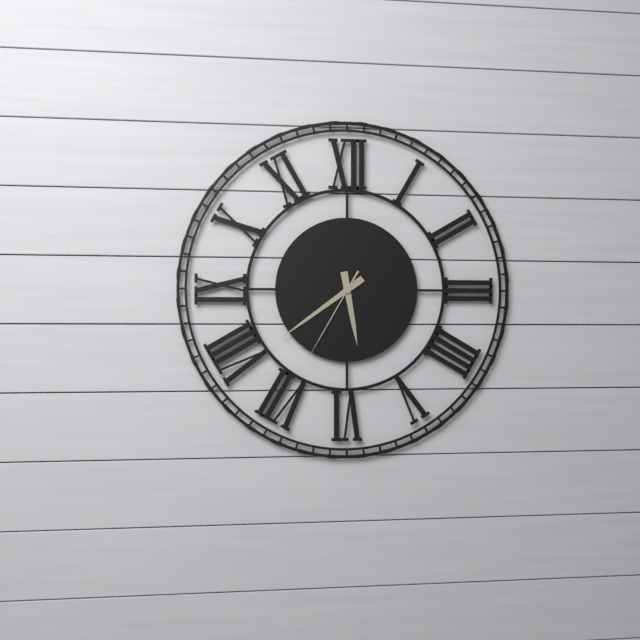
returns {"hour": 5, "minute": 39, "second": 35}
